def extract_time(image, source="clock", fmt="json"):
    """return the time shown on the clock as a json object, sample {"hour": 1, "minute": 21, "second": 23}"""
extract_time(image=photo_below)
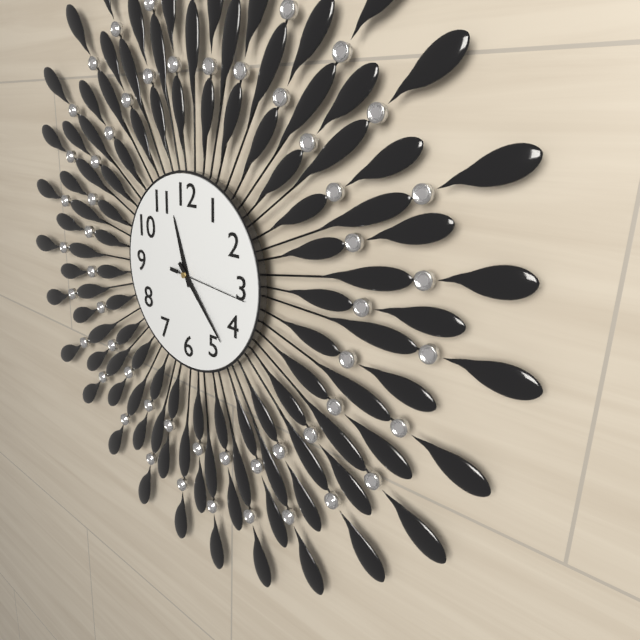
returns {"hour": 11, "minute": 23, "second": 16}
